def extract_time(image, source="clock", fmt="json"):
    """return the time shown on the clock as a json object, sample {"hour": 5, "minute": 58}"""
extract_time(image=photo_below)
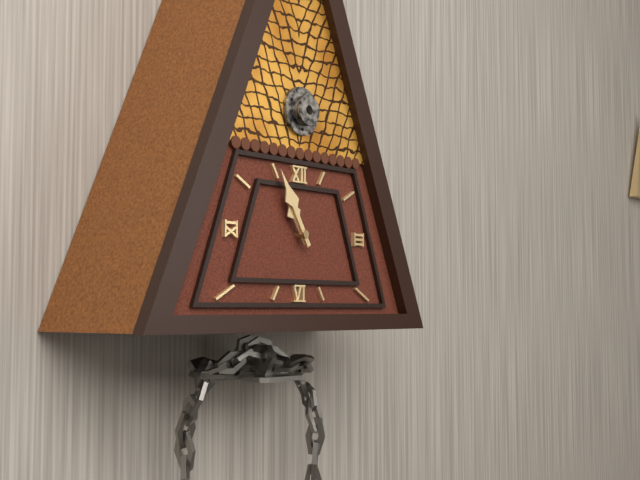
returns {"hour": 10, "minute": 55}
